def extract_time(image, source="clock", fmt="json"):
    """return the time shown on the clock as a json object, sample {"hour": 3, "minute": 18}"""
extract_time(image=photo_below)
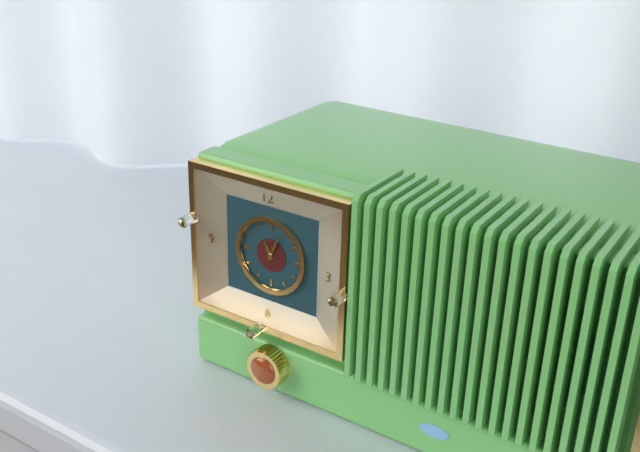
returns {"hour": 11, "minute": 4}
